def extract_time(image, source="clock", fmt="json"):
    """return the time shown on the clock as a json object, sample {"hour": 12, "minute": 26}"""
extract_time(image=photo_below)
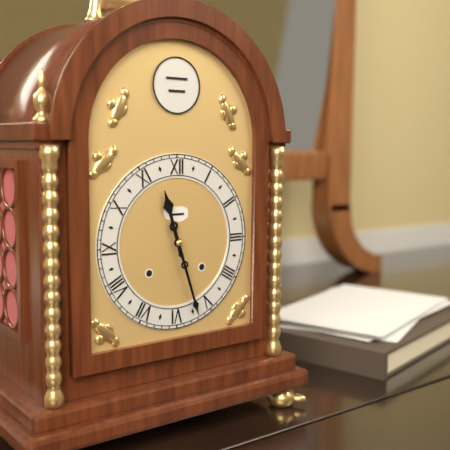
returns {"hour": 11, "minute": 27}
